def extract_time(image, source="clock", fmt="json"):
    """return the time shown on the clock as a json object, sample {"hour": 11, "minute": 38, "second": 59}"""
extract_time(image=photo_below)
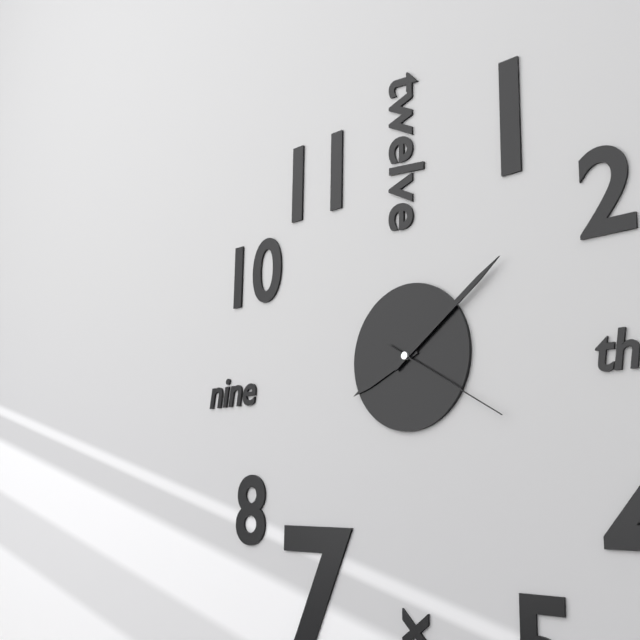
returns {"hour": 8, "minute": 9, "second": 20}
